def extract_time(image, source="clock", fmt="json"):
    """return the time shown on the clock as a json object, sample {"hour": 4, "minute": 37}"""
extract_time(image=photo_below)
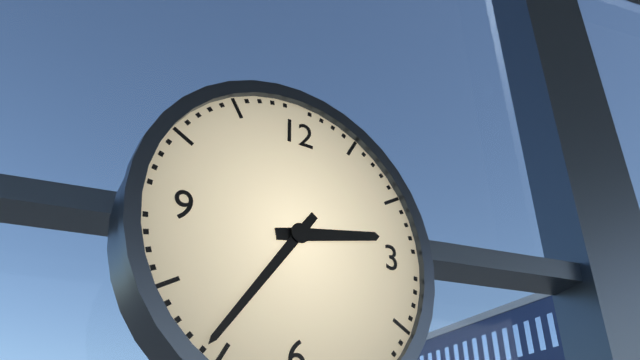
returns {"hour": 2, "minute": 36}
